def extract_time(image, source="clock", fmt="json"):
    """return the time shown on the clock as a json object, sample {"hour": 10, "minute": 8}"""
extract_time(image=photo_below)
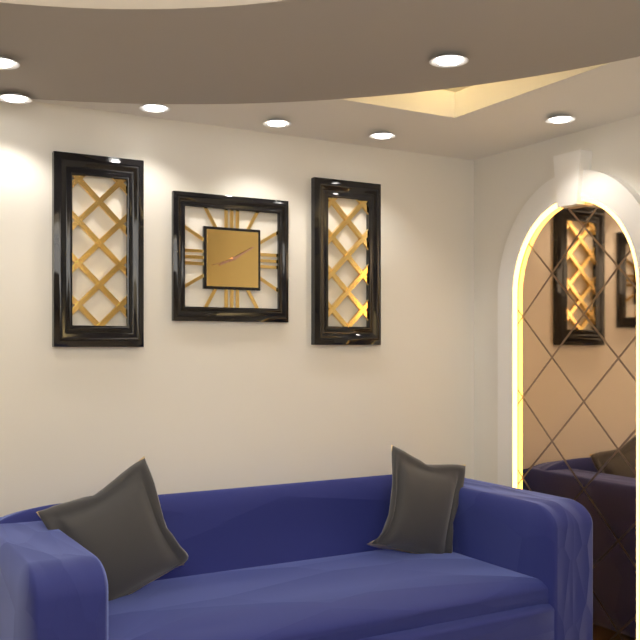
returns {"hour": 8, "minute": 10}
